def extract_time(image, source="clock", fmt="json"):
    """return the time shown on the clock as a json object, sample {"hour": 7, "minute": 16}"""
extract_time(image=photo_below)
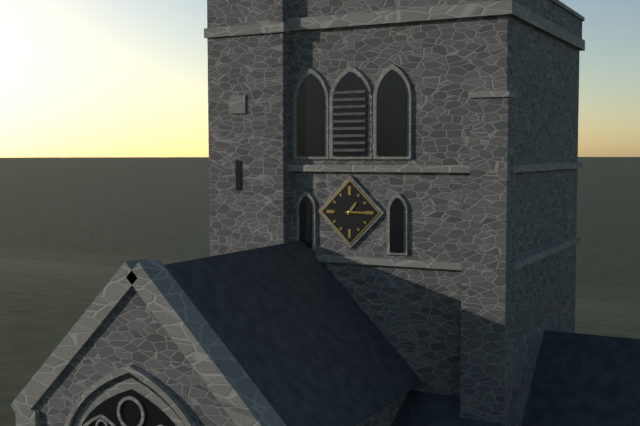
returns {"hour": 1, "minute": 15}
